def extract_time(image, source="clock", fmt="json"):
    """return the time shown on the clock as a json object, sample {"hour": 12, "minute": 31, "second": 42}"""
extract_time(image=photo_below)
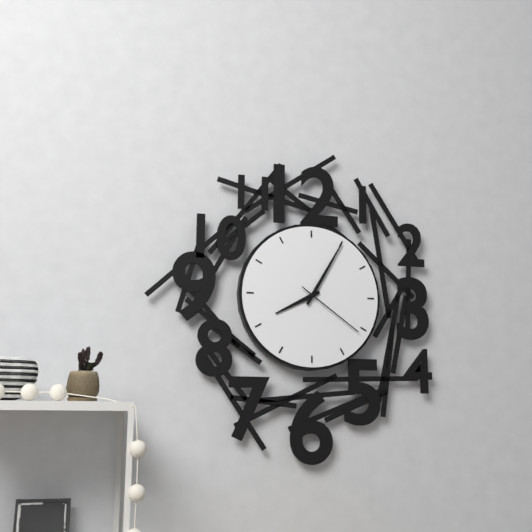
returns {"hour": 8, "minute": 5, "second": 21}
